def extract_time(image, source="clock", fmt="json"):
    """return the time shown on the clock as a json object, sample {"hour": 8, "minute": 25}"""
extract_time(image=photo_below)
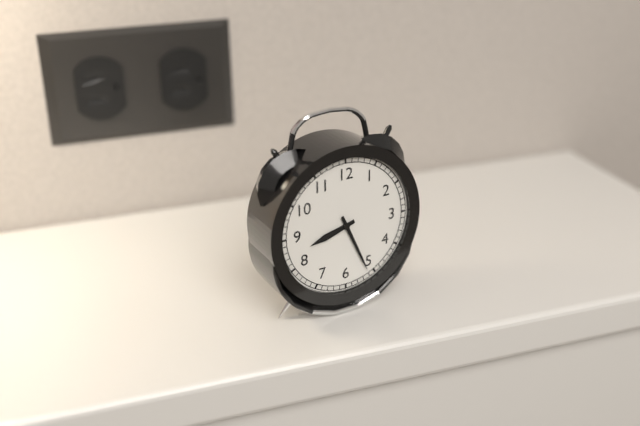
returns {"hour": 8, "minute": 26}
